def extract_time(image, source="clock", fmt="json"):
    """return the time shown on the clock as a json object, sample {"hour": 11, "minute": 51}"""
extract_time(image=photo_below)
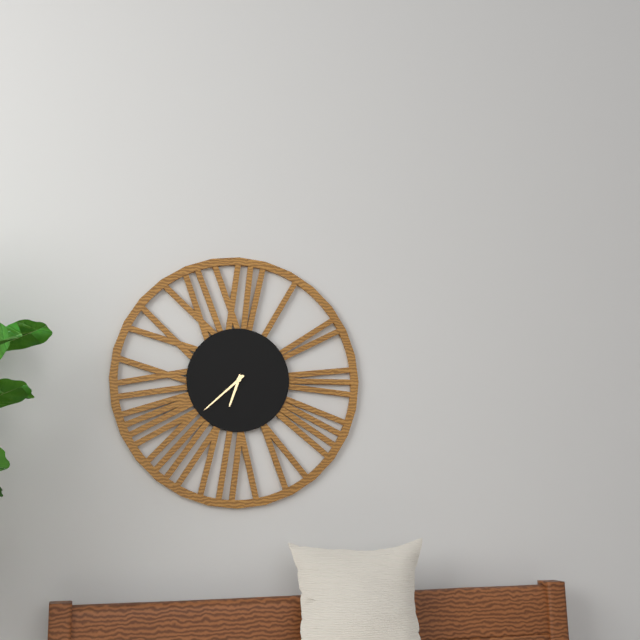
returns {"hour": 6, "minute": 38}
